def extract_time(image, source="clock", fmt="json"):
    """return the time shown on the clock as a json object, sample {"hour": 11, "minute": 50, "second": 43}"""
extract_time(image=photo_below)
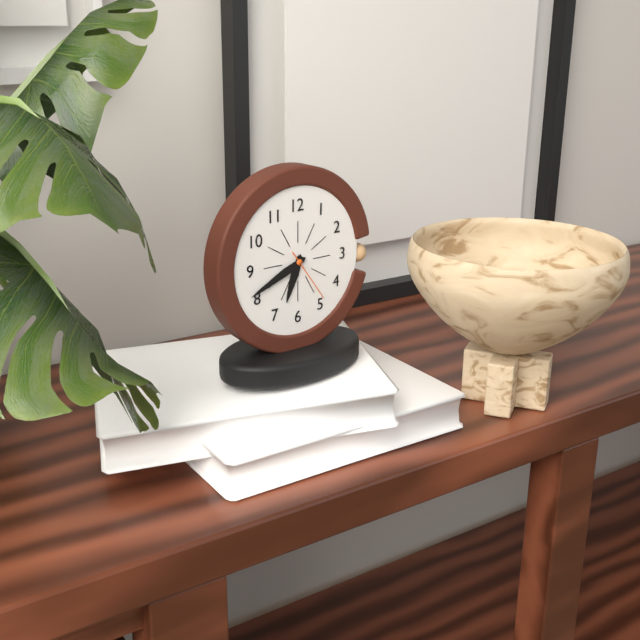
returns {"hour": 6, "minute": 41, "second": 24}
